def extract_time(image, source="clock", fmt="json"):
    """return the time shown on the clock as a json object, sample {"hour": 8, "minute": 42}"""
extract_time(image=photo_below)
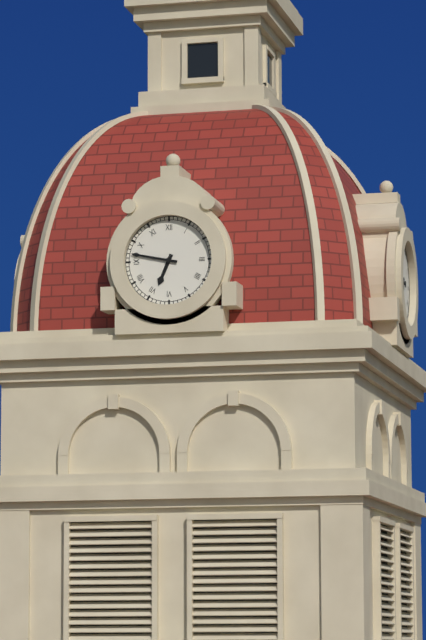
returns {"hour": 6, "minute": 47}
